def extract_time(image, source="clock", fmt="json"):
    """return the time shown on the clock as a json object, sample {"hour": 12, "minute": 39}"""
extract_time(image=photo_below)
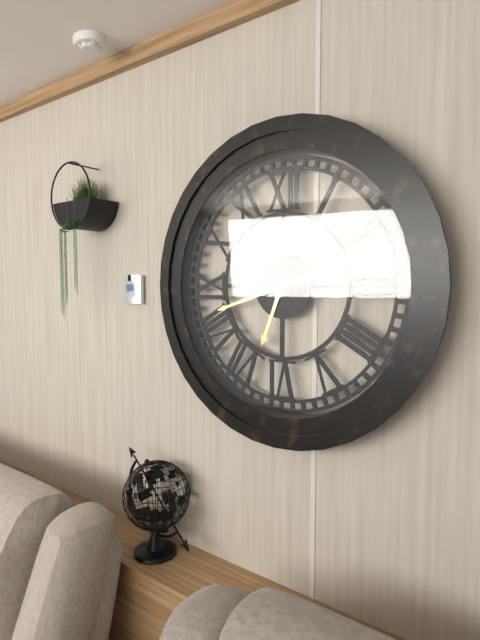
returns {"hour": 6, "minute": 42}
